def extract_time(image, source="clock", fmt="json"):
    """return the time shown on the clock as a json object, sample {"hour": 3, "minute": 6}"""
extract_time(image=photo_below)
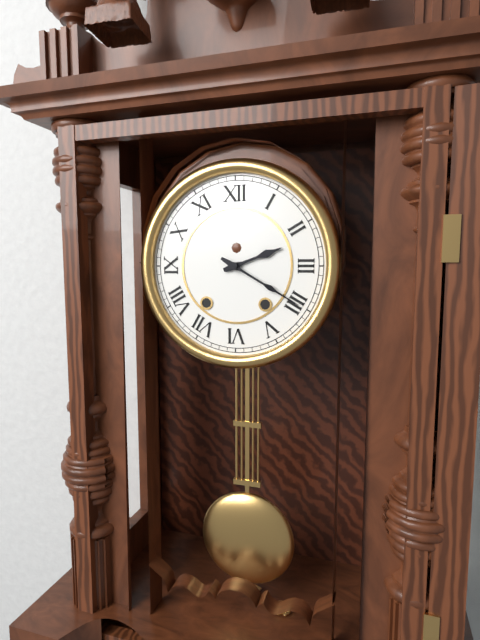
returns {"hour": 2, "minute": 20}
